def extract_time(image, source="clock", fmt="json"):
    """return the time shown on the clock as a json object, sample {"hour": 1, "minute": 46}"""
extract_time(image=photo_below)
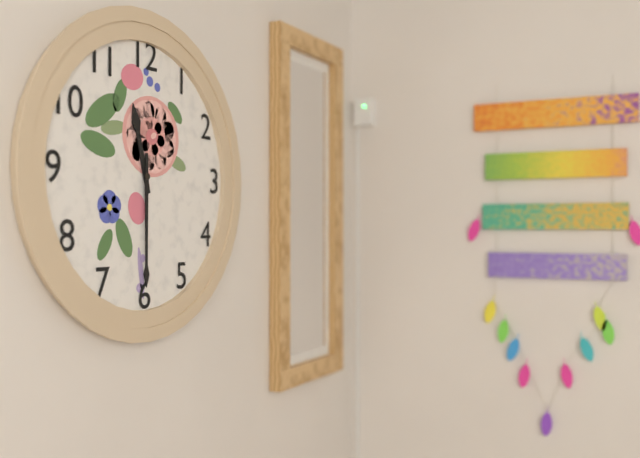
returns {"hour": 11, "minute": 30}
